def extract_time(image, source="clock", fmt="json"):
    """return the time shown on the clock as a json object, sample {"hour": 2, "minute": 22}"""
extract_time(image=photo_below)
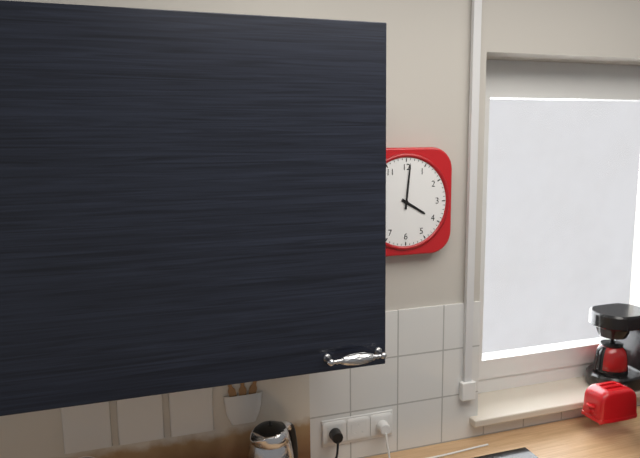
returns {"hour": 4, "minute": 1}
